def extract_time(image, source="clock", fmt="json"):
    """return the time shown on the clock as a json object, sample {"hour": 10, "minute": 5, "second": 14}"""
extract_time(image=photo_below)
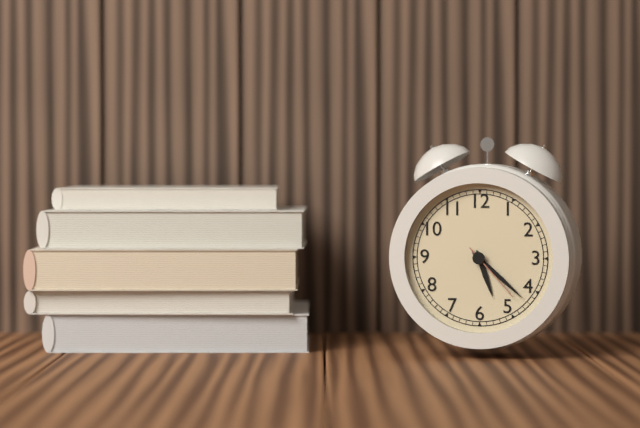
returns {"hour": 5, "minute": 22, "second": 23}
